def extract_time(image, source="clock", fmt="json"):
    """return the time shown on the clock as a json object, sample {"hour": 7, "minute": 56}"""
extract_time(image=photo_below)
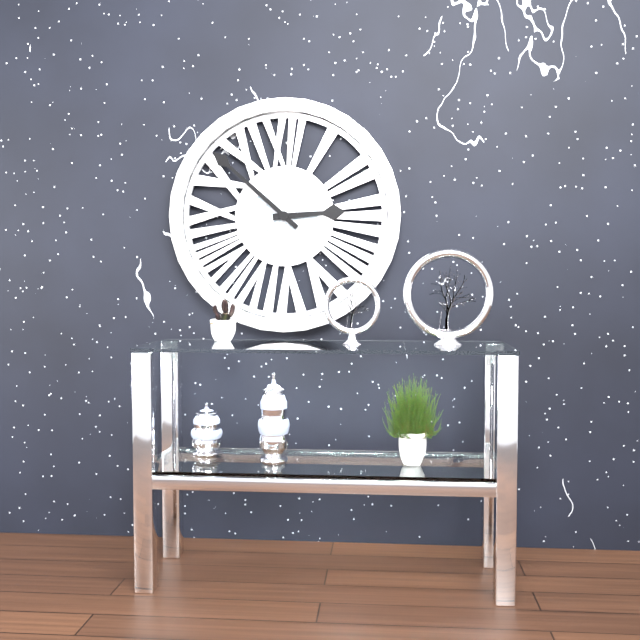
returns {"hour": 2, "minute": 52}
